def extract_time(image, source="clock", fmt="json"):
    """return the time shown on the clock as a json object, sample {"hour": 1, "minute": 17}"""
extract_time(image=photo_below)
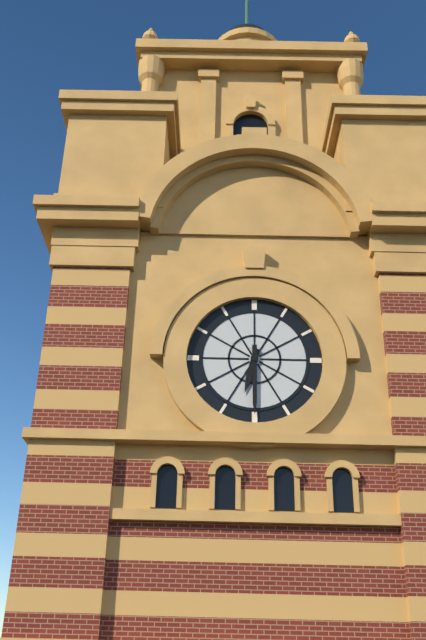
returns {"hour": 6, "minute": 30}
